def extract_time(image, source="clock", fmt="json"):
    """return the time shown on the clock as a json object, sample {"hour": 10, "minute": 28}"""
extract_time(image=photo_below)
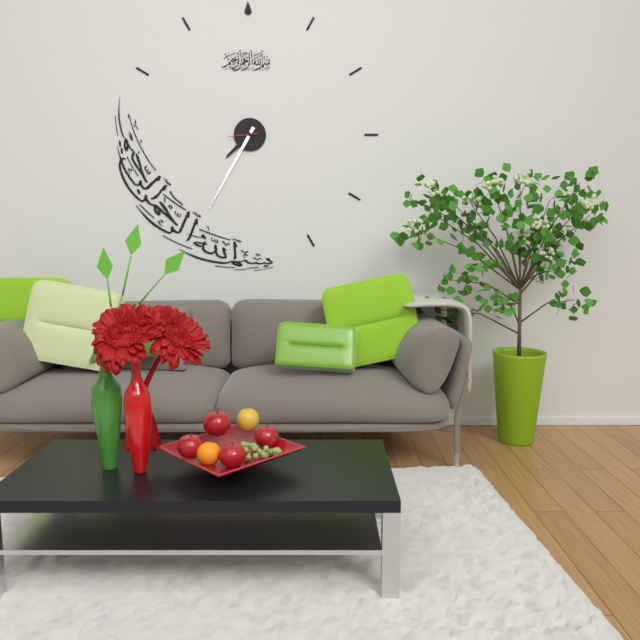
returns {"hour": 7, "minute": 35}
